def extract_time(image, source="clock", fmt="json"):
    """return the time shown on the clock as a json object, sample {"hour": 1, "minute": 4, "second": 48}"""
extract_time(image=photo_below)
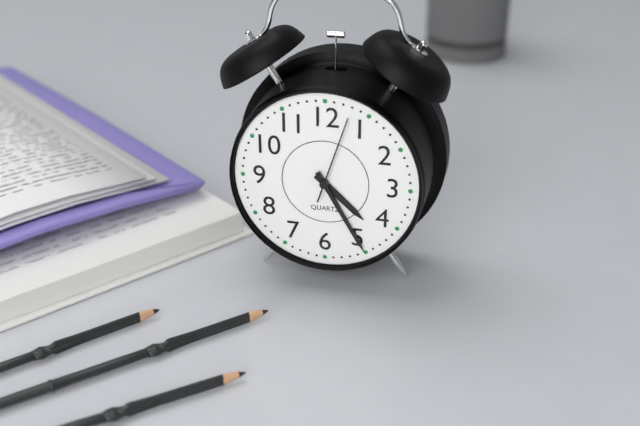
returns {"hour": 4, "minute": 25, "second": 3}
